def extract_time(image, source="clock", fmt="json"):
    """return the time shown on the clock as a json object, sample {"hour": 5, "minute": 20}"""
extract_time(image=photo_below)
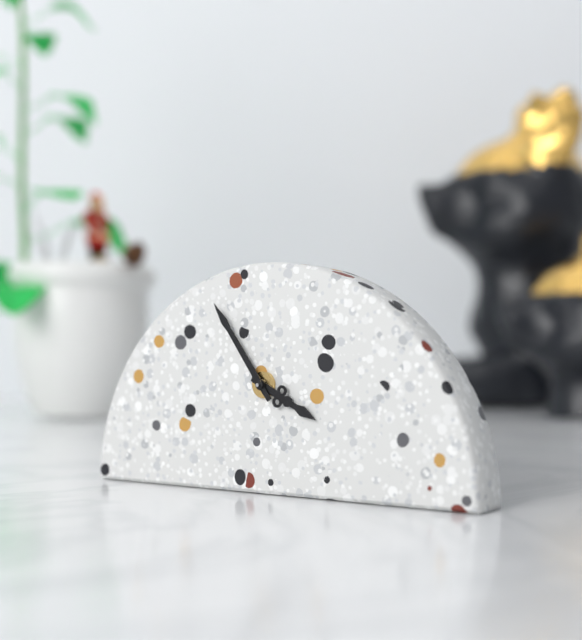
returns {"hour": 3, "minute": 54}
